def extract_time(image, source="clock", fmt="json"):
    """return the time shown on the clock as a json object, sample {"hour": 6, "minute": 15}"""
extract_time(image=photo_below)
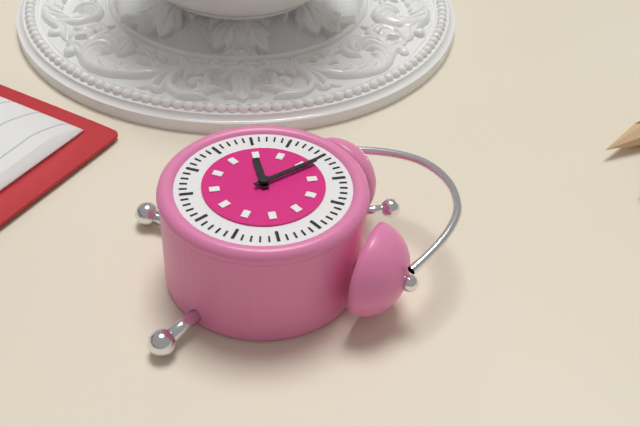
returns {"hour": 8, "minute": 56}
